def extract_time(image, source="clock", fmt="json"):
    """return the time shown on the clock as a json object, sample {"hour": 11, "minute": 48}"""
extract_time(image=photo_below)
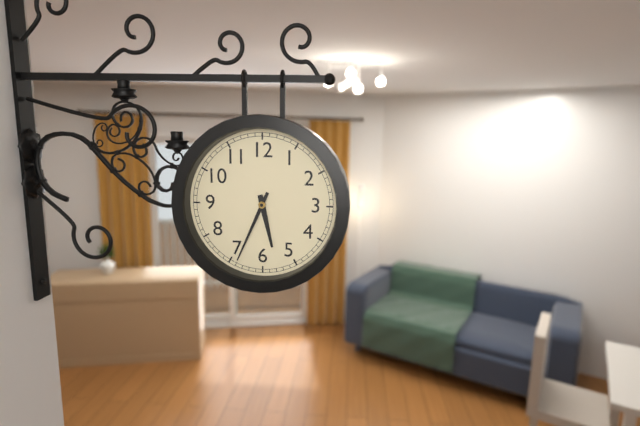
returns {"hour": 5, "minute": 34}
